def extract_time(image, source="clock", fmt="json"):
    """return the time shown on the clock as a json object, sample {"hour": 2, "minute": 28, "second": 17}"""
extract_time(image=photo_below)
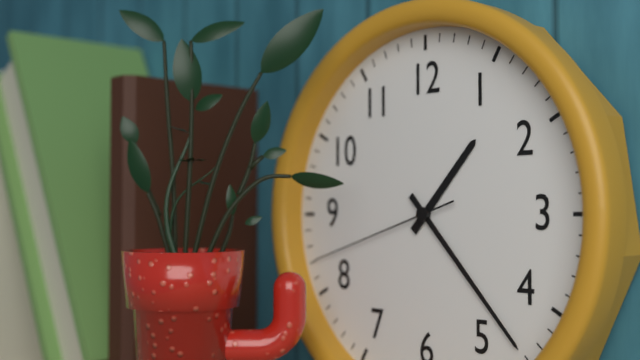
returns {"hour": 1, "minute": 23, "second": 42}
